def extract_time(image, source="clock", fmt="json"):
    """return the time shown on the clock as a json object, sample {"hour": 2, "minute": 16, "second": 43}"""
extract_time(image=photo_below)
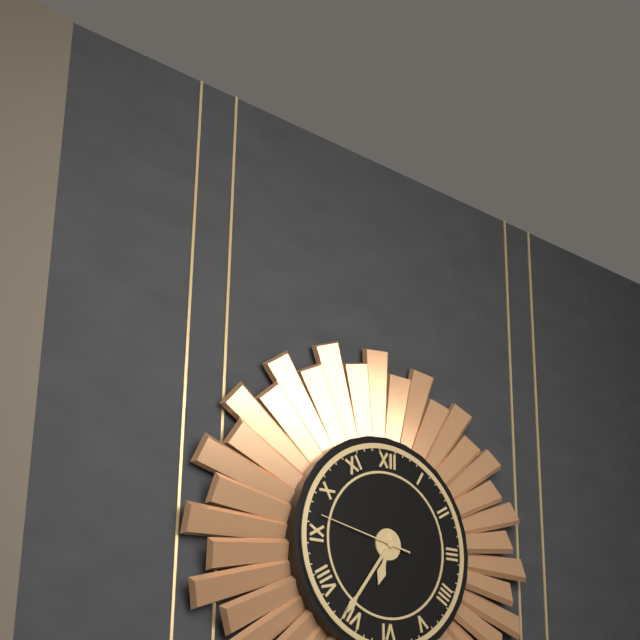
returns {"hour": 6, "minute": 36, "second": 47}
